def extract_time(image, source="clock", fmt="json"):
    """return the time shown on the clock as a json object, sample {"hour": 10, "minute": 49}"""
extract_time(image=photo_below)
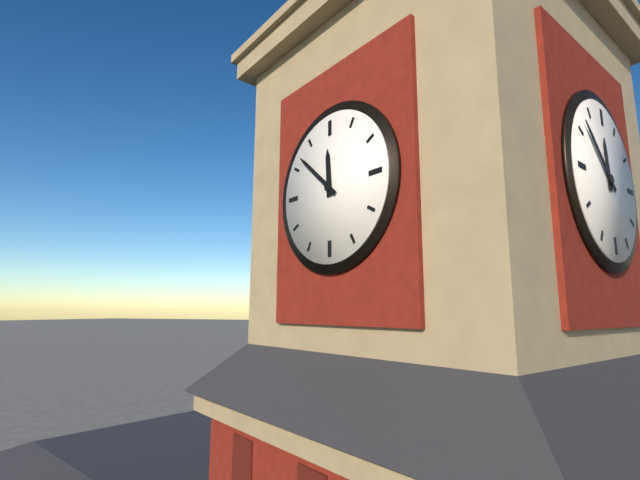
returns {"hour": 11, "minute": 52}
